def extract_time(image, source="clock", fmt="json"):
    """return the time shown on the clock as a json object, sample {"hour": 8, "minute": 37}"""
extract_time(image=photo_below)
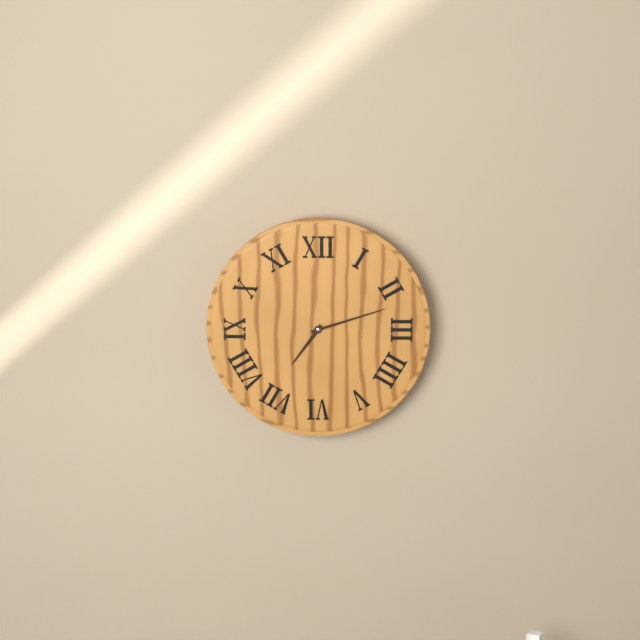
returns {"hour": 7, "minute": 12}
